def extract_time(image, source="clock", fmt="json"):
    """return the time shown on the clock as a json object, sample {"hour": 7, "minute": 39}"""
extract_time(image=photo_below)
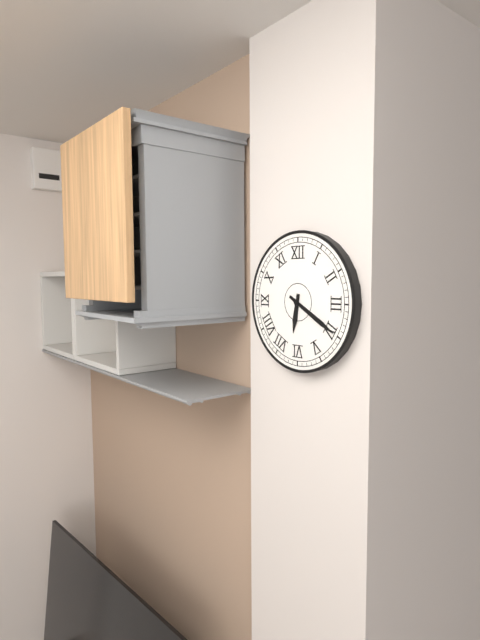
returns {"hour": 6, "minute": 20}
